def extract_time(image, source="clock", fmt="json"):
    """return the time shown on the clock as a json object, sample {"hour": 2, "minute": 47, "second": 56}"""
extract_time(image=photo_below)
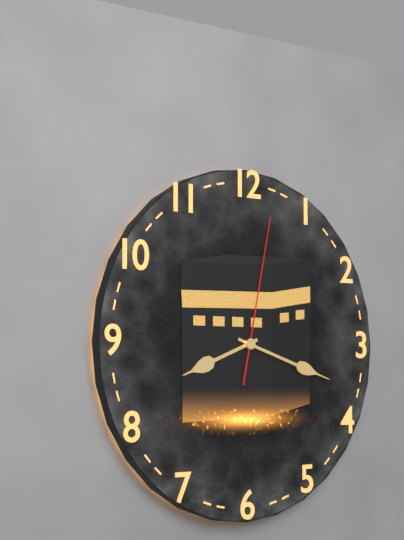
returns {"hour": 8, "minute": 18, "second": 2}
